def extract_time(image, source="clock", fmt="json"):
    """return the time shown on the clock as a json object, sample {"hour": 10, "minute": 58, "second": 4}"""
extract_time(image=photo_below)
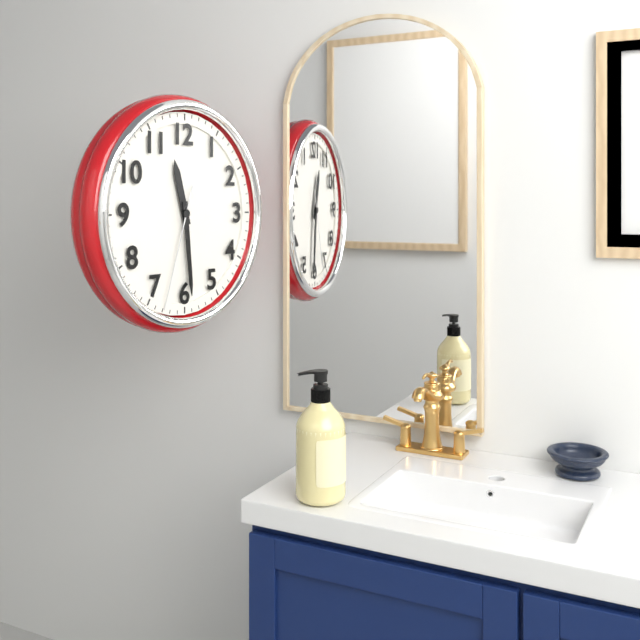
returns {"hour": 11, "minute": 29, "second": 33}
